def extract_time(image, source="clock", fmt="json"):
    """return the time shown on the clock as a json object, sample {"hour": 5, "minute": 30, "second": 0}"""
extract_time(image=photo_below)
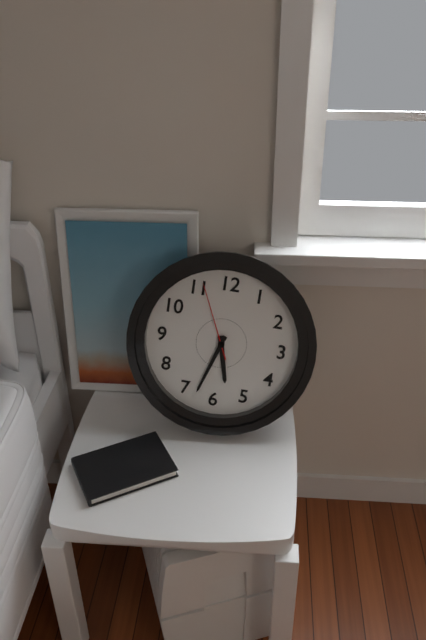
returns {"hour": 5, "minute": 33, "second": 56}
